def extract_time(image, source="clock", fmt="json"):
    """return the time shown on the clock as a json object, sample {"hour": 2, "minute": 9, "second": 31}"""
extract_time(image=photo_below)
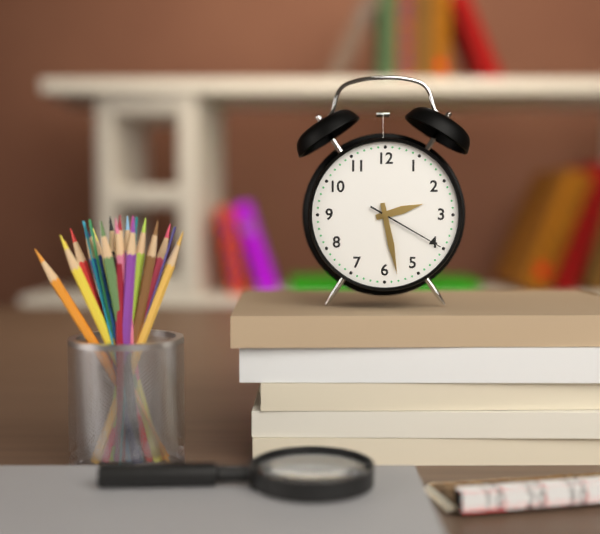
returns {"hour": 2, "minute": 28, "second": 20}
